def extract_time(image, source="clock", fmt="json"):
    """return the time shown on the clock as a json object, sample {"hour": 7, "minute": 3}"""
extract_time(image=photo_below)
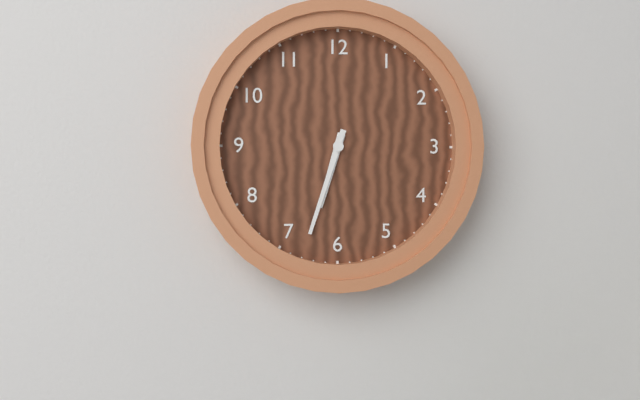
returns {"hour": 6, "minute": 33}
